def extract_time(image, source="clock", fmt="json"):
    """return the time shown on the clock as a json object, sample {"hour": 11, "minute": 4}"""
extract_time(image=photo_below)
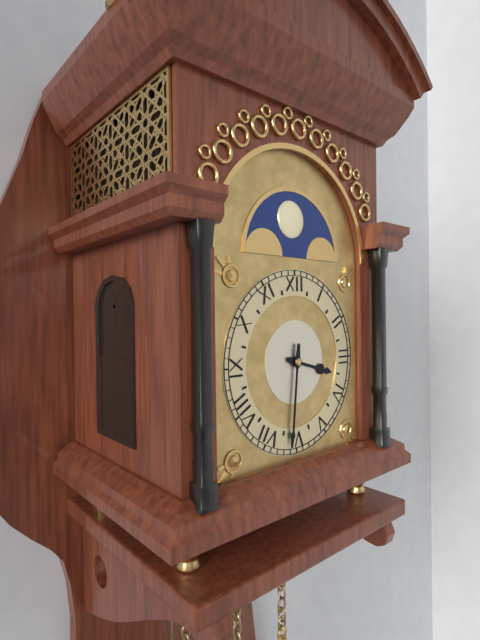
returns {"hour": 3, "minute": 31}
